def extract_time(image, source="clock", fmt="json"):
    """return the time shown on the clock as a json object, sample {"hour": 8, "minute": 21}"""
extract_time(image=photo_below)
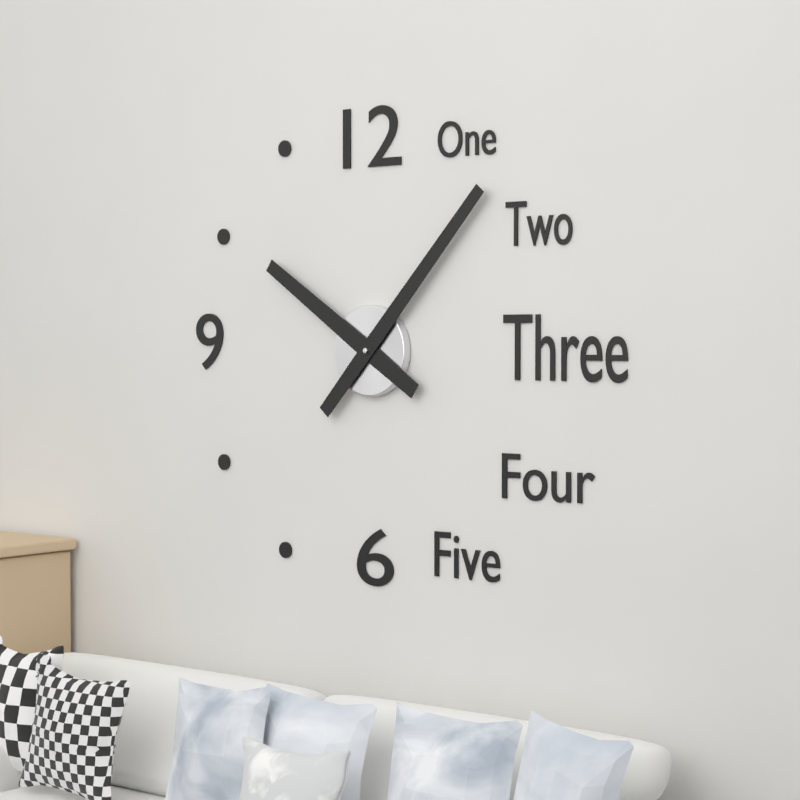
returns {"hour": 10, "minute": 7}
